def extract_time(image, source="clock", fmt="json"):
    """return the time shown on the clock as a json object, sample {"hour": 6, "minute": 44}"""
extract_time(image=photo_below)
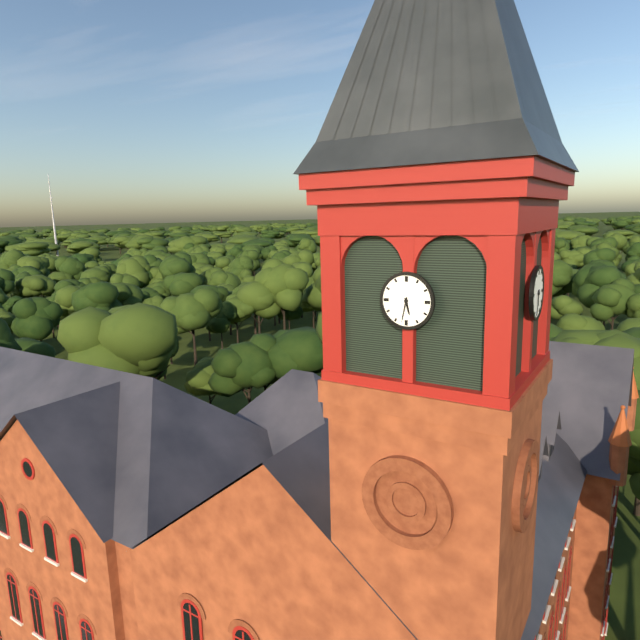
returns {"hour": 5, "minute": 32}
